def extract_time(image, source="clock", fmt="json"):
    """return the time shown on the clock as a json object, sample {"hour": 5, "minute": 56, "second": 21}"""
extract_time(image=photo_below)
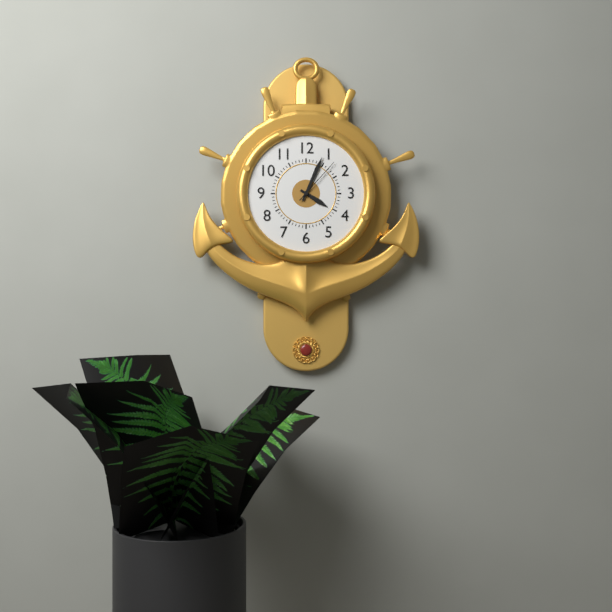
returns {"hour": 4, "minute": 4, "second": 7}
